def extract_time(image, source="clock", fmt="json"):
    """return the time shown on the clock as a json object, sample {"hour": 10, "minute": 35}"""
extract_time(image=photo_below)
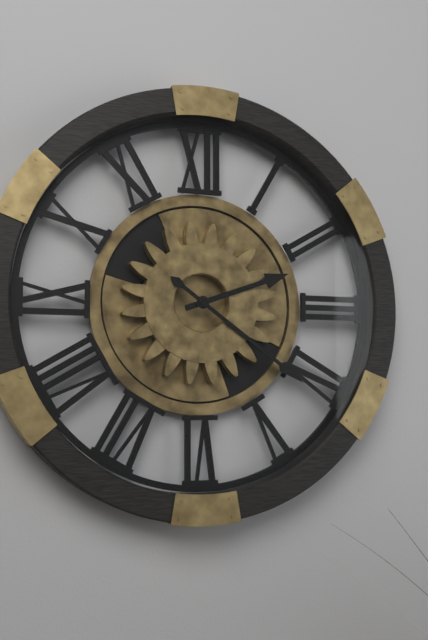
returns {"hour": 2, "minute": 21}
